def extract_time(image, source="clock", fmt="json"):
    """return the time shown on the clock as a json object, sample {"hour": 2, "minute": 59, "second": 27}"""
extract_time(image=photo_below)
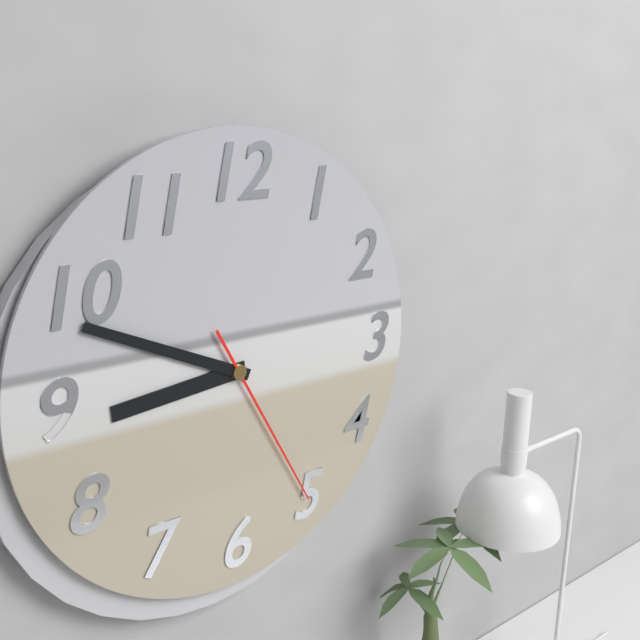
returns {"hour": 8, "minute": 49, "second": 25}
